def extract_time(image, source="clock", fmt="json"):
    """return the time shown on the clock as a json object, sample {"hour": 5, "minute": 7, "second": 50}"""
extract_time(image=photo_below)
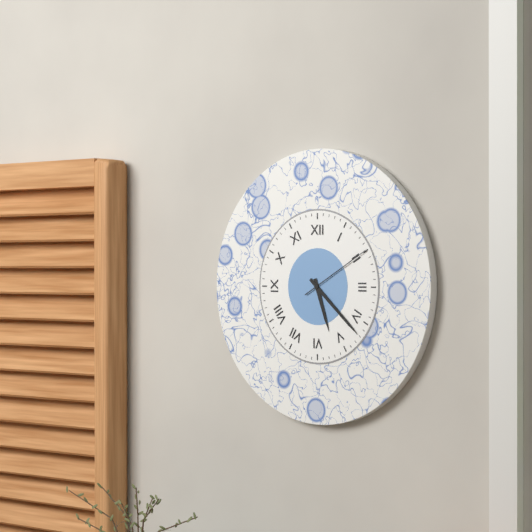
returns {"hour": 5, "minute": 22, "second": 10}
